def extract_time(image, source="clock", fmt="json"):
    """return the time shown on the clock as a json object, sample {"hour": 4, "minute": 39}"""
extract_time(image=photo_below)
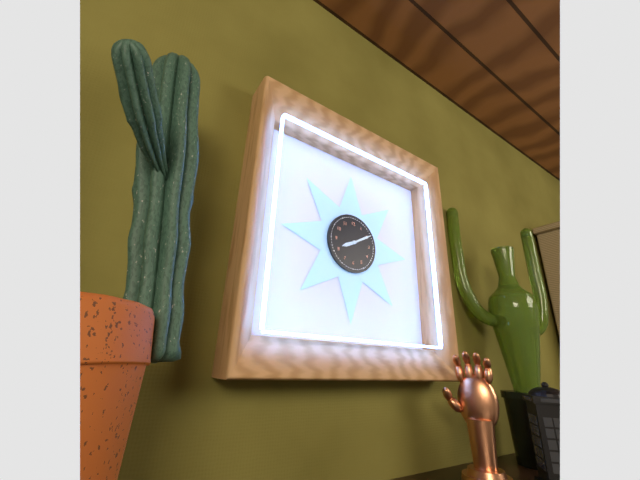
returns {"hour": 8, "minute": 10}
